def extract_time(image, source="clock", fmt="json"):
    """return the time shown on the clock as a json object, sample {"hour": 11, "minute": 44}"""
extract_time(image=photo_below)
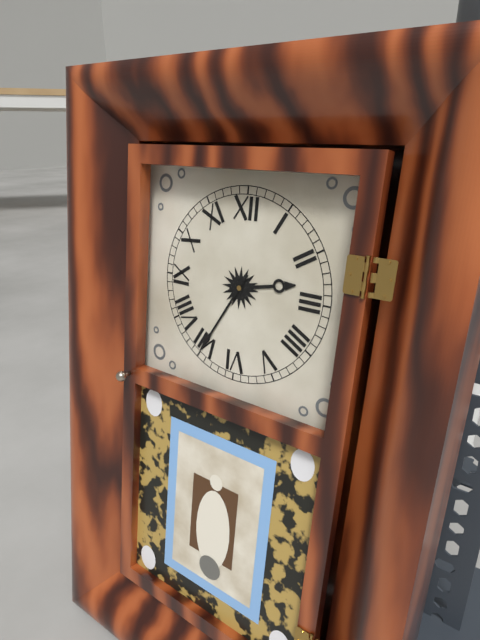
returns {"hour": 2, "minute": 35}
